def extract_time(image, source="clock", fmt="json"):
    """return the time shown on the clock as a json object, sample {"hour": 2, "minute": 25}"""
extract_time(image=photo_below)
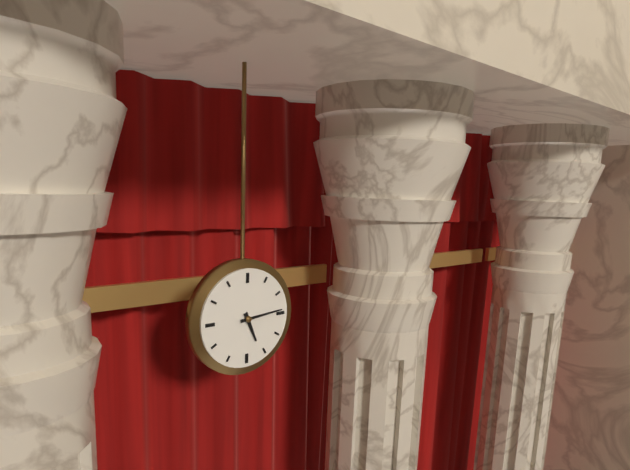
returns {"hour": 5, "minute": 14}
